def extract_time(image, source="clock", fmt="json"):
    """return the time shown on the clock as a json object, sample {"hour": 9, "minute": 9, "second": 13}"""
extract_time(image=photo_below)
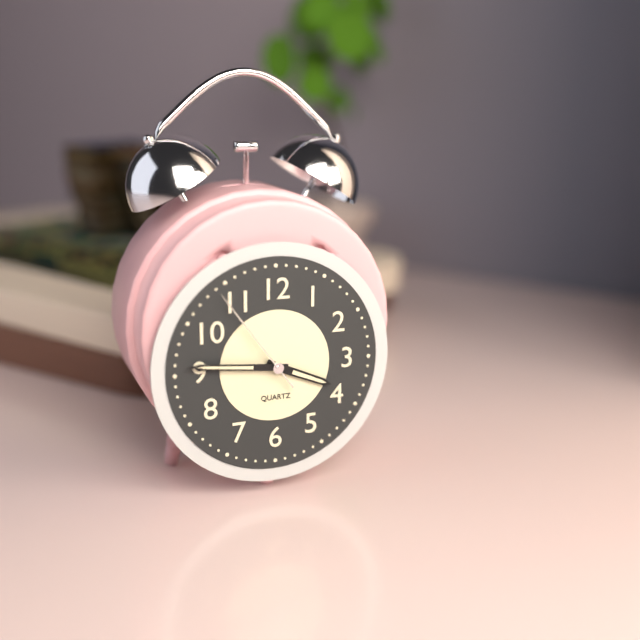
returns {"hour": 3, "minute": 46, "second": 54}
